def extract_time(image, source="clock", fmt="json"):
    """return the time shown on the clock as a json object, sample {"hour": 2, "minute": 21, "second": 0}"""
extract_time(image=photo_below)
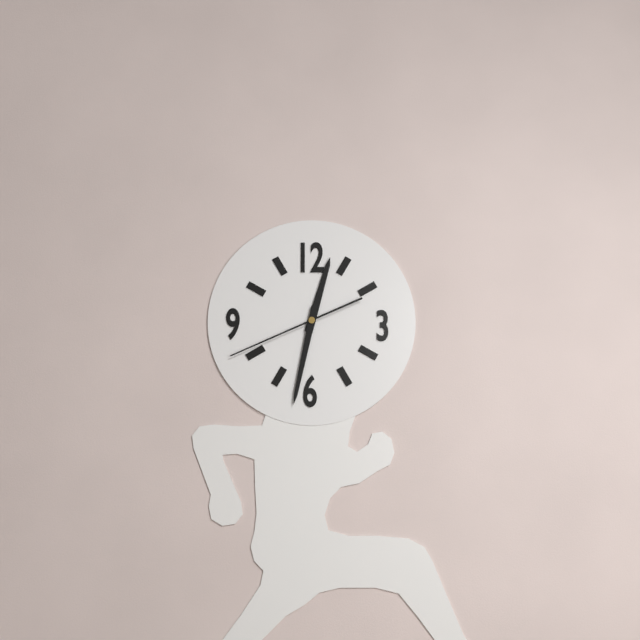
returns {"hour": 12, "minute": 32, "second": 41}
